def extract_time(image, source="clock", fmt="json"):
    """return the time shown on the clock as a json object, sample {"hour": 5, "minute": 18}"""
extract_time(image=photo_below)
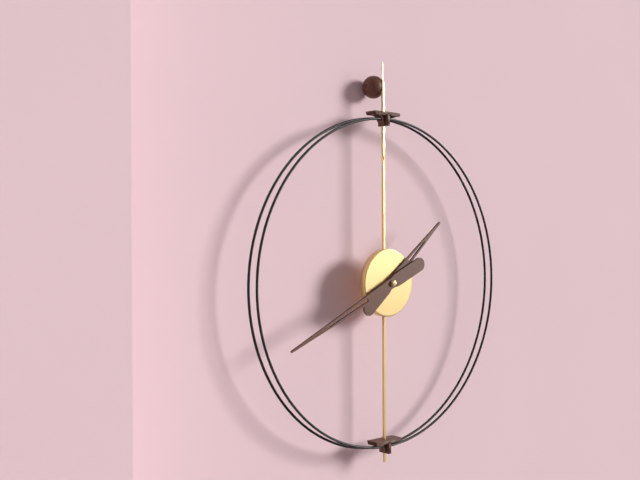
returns {"hour": 1, "minute": 41}
